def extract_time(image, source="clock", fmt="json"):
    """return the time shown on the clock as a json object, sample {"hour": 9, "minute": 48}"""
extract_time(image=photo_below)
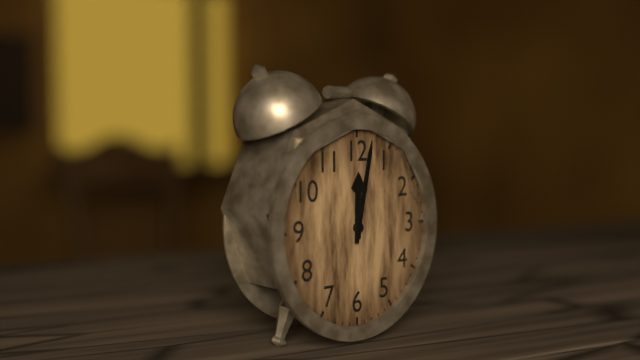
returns {"hour": 12, "minute": 2}
